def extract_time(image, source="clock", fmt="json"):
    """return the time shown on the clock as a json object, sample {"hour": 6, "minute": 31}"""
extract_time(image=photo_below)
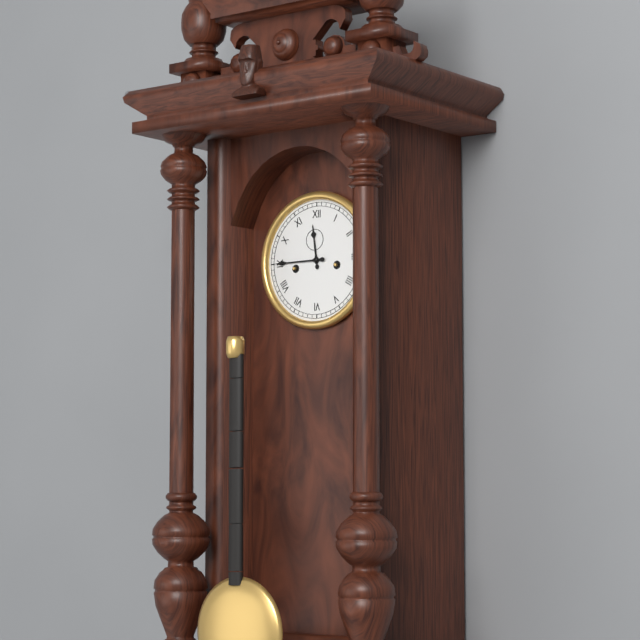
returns {"hour": 11, "minute": 45}
